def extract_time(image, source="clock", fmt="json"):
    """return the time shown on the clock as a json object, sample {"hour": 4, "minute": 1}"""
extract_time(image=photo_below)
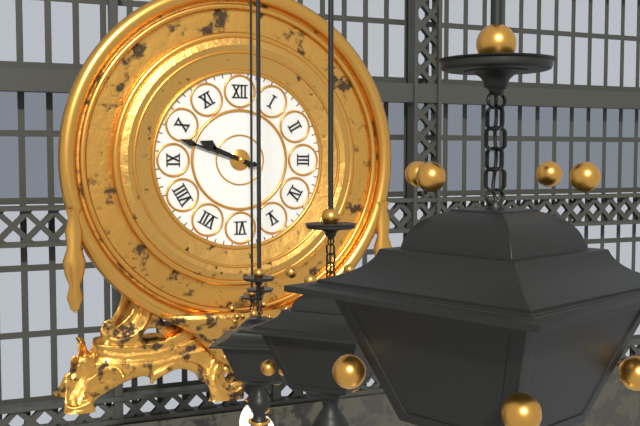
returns {"hour": 9, "minute": 48}
